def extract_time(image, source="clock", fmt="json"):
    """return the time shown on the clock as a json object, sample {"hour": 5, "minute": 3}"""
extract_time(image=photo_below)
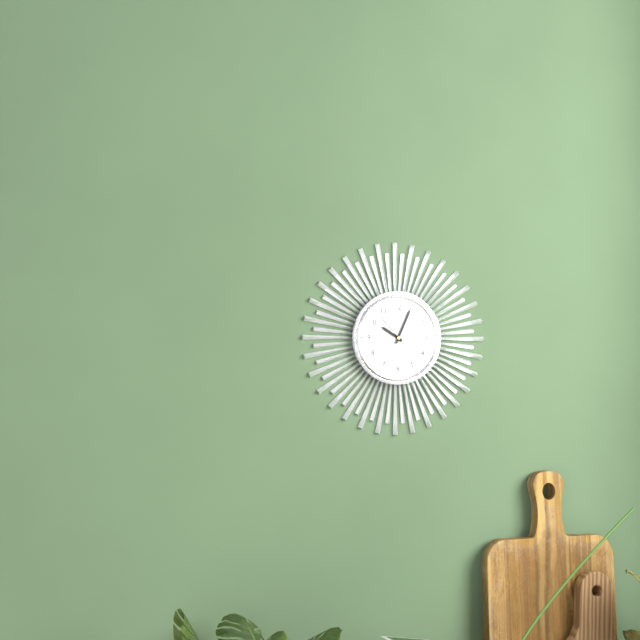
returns {"hour": 10, "minute": 4}
